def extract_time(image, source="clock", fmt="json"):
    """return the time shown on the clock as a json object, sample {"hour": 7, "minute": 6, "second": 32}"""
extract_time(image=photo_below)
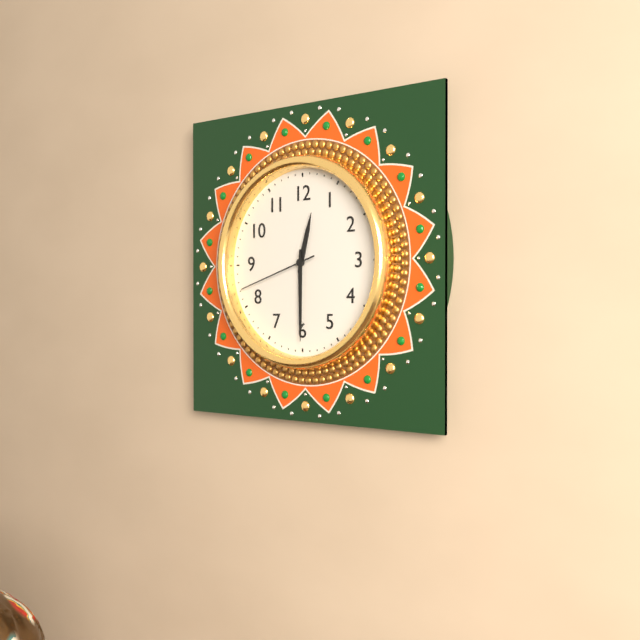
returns {"hour": 12, "minute": 30, "second": 42}
